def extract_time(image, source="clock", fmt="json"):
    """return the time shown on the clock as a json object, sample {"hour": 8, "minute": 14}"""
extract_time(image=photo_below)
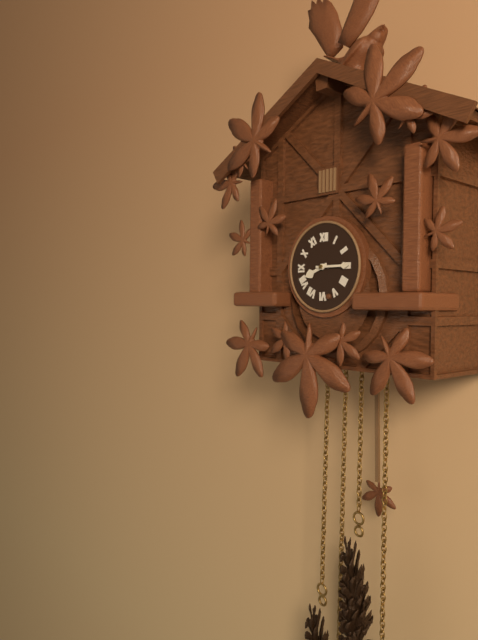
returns {"hour": 8, "minute": 15}
